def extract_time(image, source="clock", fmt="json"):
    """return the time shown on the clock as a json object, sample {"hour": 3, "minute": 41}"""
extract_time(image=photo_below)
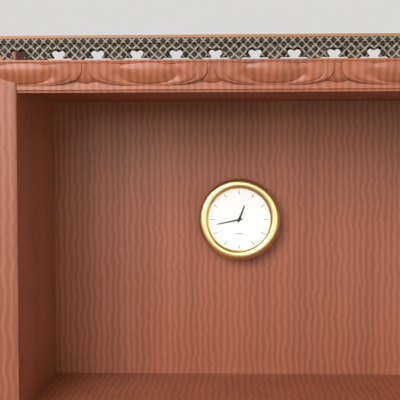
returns {"hour": 12, "minute": 43}
